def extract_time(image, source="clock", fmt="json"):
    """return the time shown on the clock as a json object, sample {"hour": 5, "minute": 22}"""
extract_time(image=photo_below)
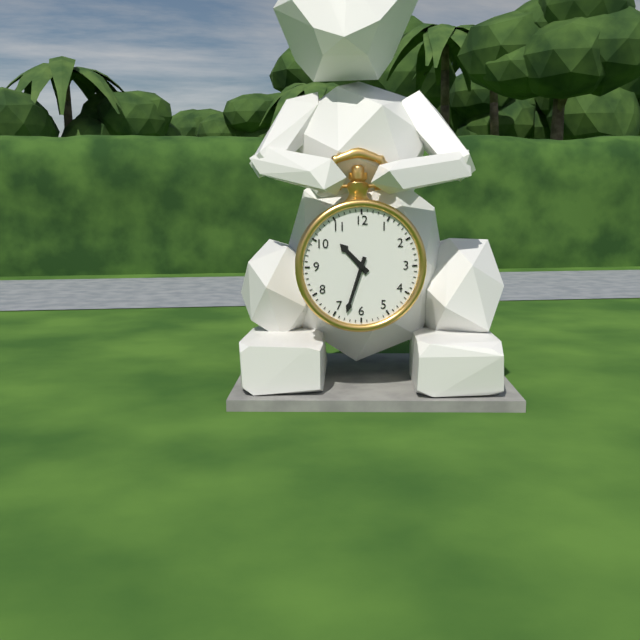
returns {"hour": 10, "minute": 33}
